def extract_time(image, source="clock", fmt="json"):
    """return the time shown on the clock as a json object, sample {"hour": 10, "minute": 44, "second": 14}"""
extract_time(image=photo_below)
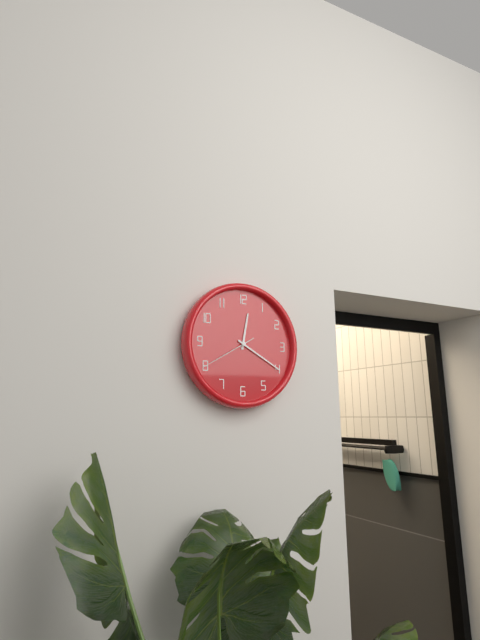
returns {"hour": 12, "minute": 20, "second": 40}
